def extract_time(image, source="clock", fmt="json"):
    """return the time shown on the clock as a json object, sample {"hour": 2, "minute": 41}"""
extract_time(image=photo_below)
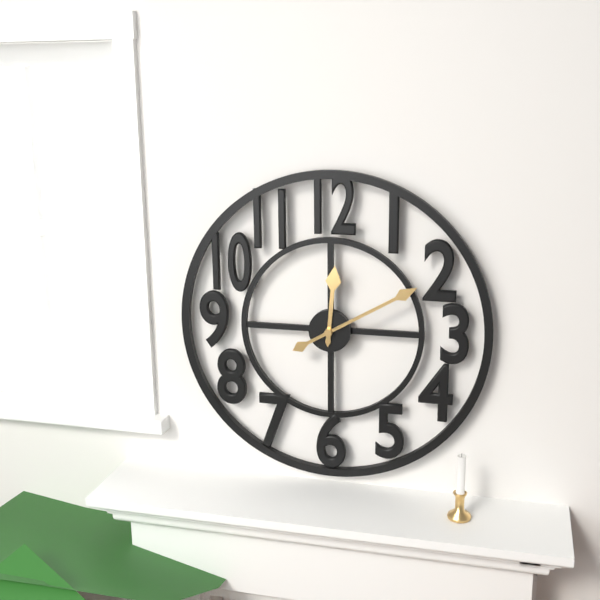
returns {"hour": 12, "minute": 10}
